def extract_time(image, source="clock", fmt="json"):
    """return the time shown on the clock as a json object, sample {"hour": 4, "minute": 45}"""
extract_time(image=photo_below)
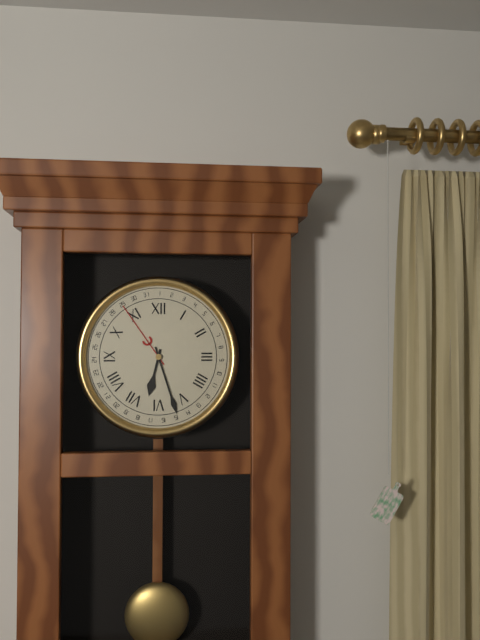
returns {"hour": 6, "minute": 27}
